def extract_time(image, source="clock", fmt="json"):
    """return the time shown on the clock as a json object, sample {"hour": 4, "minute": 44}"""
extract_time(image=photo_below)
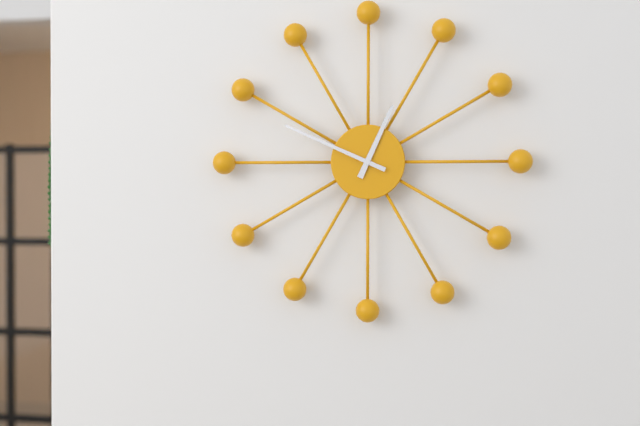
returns {"hour": 12, "minute": 49}
